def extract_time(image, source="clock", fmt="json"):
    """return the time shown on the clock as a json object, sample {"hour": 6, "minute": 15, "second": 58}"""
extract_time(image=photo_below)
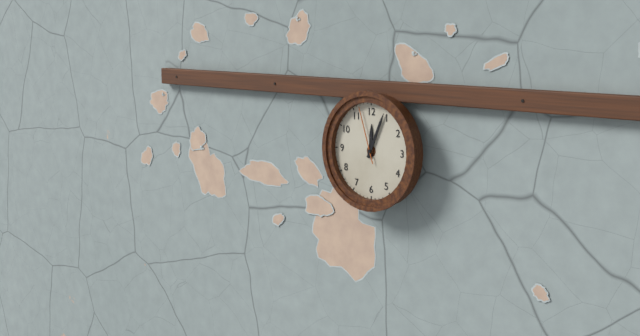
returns {"hour": 12, "minute": 4, "second": 57}
